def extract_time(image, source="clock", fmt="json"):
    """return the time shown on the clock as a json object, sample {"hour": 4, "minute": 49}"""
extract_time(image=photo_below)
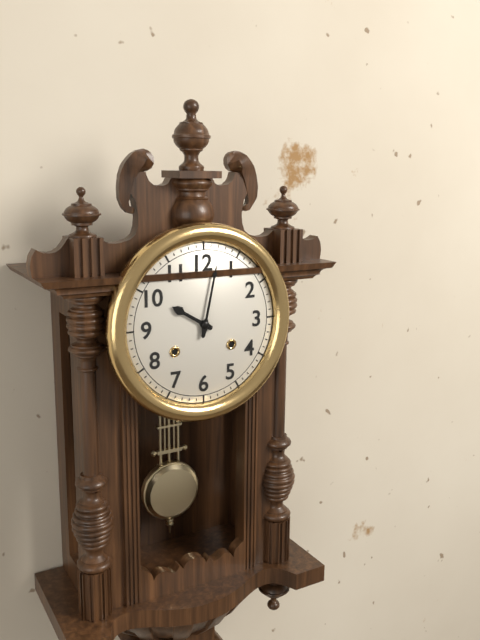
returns {"hour": 10, "minute": 2}
